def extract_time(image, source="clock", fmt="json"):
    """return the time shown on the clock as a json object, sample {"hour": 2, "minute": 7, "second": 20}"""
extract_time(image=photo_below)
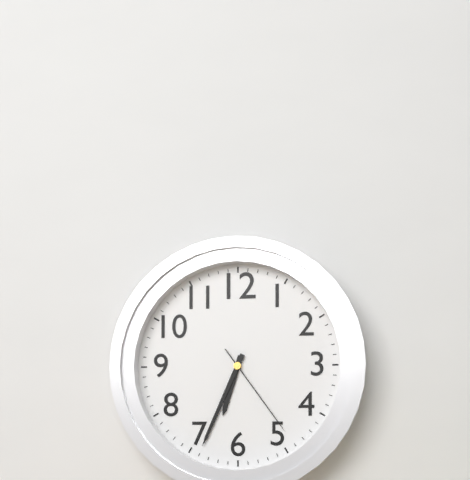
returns {"hour": 6, "minute": 34, "second": 24}
